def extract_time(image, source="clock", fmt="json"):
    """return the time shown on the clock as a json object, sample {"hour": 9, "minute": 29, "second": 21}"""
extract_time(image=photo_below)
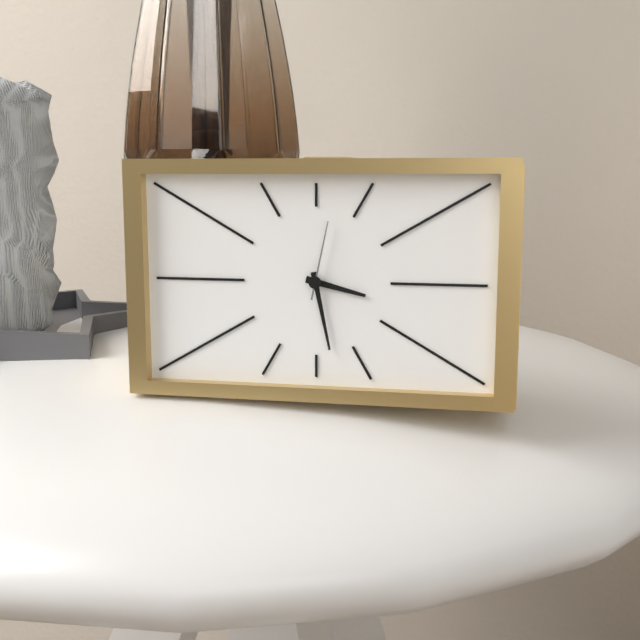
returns {"hour": 3, "minute": 28, "second": 2}
